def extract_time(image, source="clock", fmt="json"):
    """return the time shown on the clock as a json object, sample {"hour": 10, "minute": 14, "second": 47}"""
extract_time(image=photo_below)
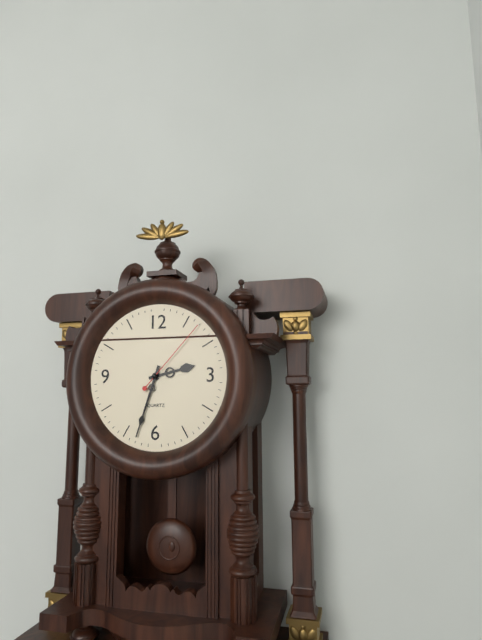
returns {"hour": 2, "minute": 33, "second": 7}
